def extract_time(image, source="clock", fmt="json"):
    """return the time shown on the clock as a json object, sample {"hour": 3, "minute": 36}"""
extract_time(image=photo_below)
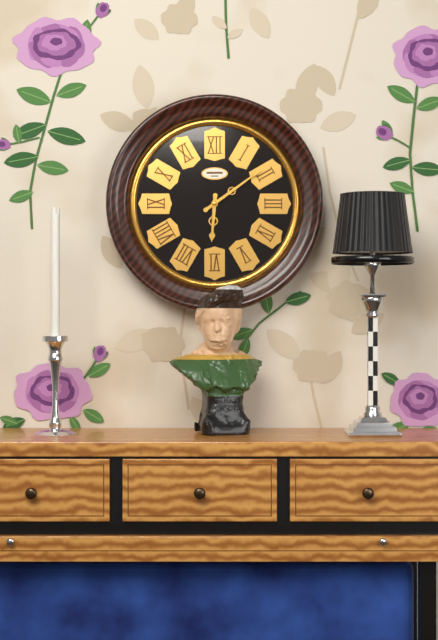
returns {"hour": 6, "minute": 9}
